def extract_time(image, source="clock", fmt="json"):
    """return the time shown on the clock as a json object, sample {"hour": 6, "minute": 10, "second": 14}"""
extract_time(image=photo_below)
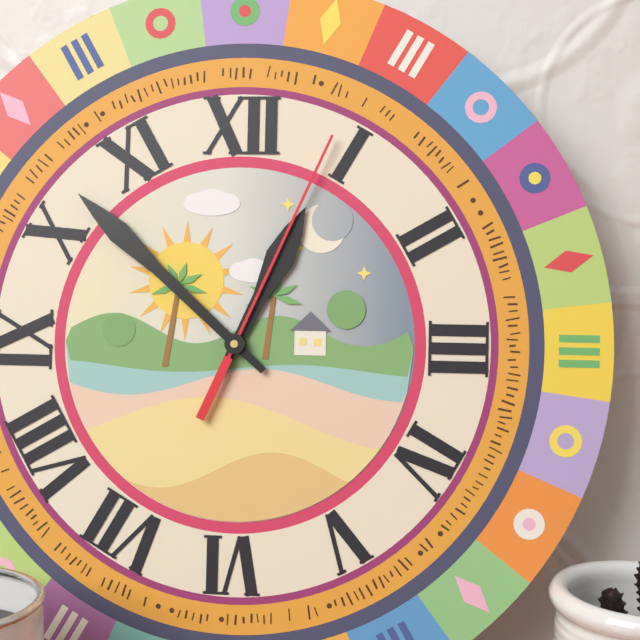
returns {"hour": 12, "minute": 52, "second": 4}
